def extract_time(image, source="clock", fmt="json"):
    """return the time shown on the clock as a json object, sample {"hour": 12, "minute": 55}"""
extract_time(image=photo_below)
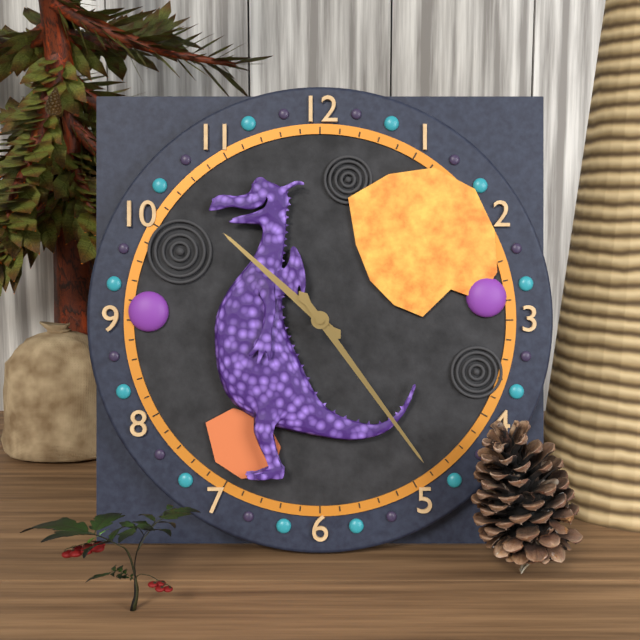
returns {"hour": 10, "minute": 24}
